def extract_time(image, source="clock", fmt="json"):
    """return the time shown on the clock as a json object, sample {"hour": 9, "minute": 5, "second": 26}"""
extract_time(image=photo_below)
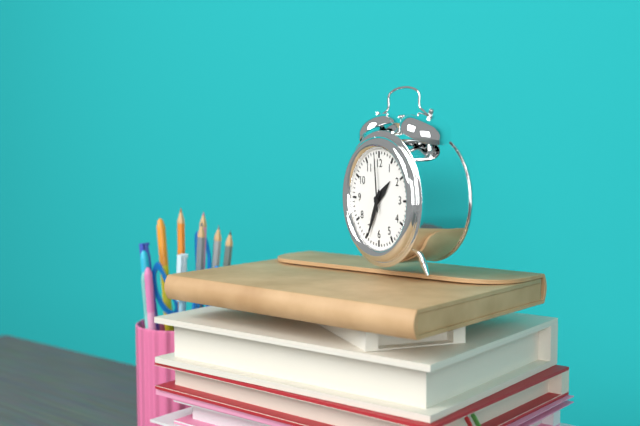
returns {"hour": 1, "minute": 34, "second": 59}
